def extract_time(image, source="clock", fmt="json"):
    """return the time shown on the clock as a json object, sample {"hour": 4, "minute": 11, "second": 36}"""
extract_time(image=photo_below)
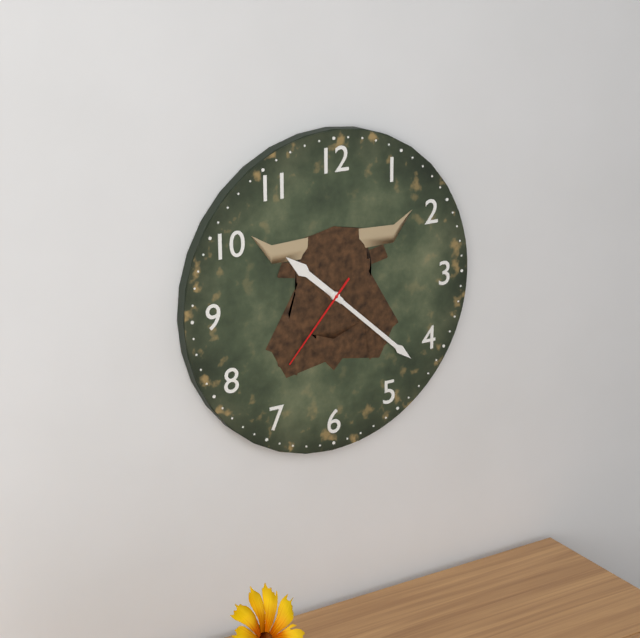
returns {"hour": 10, "minute": 22, "second": 37}
